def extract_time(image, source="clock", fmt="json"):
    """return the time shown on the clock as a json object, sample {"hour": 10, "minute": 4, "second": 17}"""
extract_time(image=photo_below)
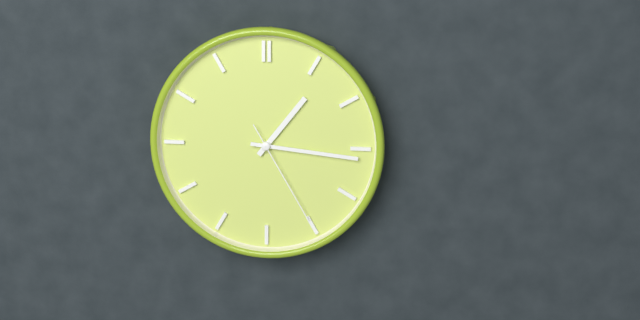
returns {"hour": 1, "minute": 16, "second": 25}
